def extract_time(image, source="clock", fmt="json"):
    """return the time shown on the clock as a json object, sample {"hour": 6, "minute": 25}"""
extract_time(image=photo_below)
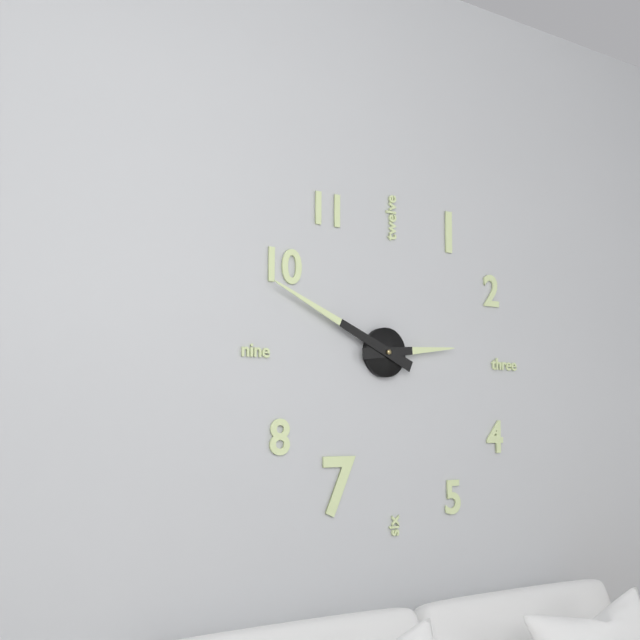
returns {"hour": 2, "minute": 49}
